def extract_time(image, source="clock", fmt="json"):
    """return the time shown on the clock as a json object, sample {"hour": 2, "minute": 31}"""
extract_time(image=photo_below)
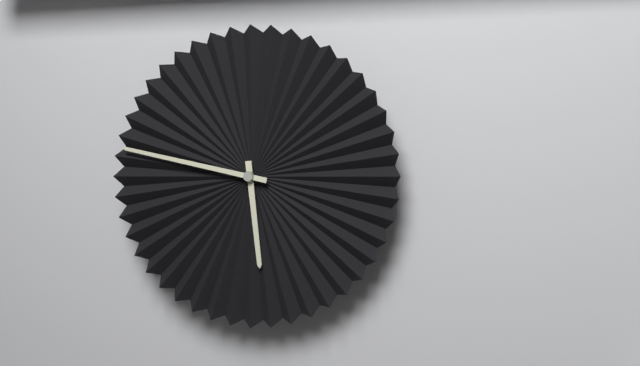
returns {"hour": 5, "minute": 47}
